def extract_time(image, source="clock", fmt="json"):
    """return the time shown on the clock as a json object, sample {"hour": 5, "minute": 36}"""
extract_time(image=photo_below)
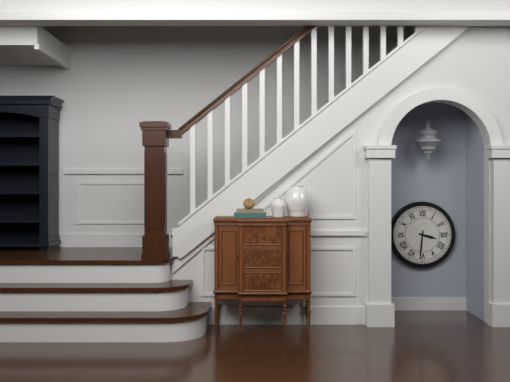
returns {"hour": 3, "minute": 31}
